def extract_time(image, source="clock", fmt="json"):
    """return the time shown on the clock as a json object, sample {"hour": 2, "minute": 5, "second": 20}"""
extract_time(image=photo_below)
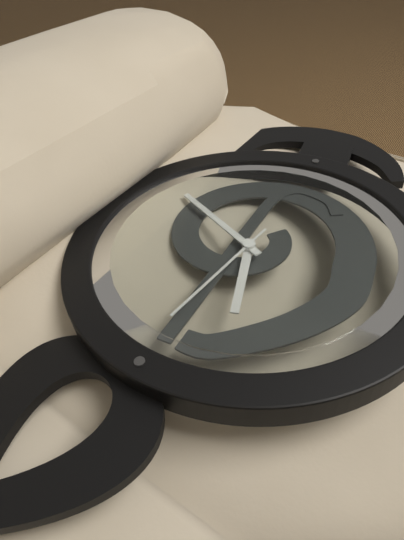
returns {"hour": 11, "minute": 19, "second": 1}
